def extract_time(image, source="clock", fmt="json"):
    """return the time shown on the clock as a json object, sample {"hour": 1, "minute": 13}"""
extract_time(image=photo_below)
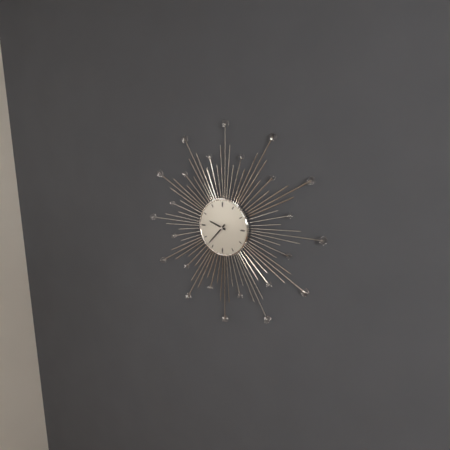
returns {"hour": 9, "minute": 37}
